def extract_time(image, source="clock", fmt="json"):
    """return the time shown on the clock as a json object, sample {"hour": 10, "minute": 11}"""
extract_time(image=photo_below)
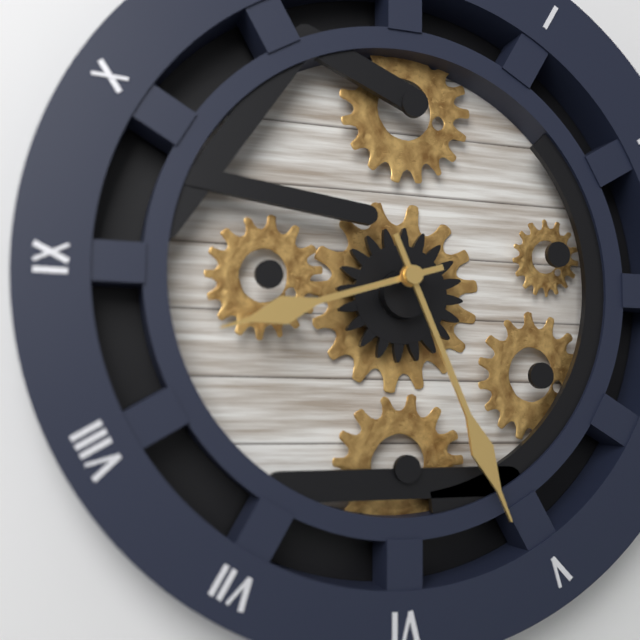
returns {"hour": 8, "minute": 26}
